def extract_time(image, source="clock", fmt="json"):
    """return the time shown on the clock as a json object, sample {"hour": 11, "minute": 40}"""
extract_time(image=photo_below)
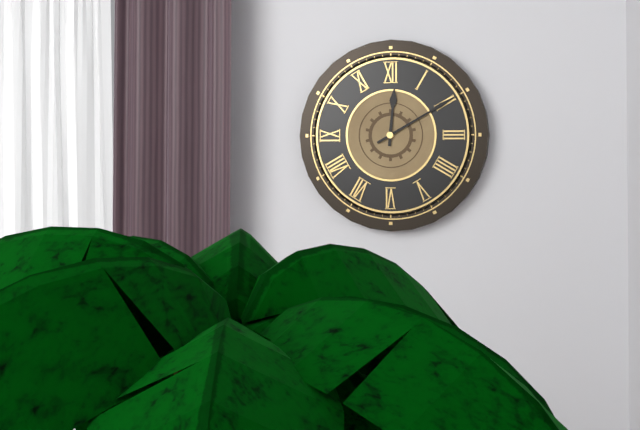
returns {"hour": 12, "minute": 10}
